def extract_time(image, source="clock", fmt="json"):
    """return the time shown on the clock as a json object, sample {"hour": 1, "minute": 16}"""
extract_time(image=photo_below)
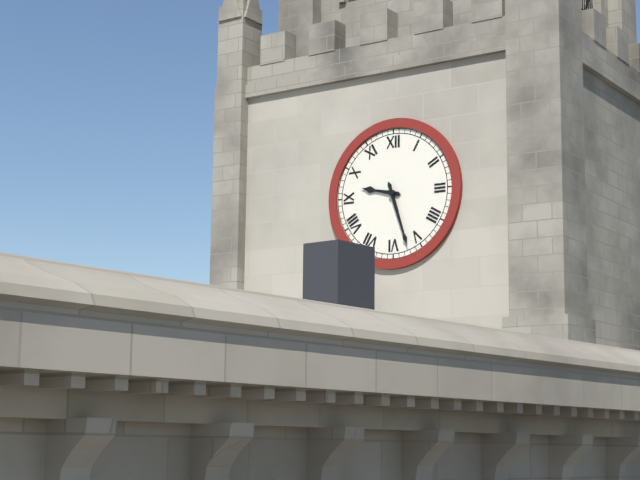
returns {"hour": 9, "minute": 27}
